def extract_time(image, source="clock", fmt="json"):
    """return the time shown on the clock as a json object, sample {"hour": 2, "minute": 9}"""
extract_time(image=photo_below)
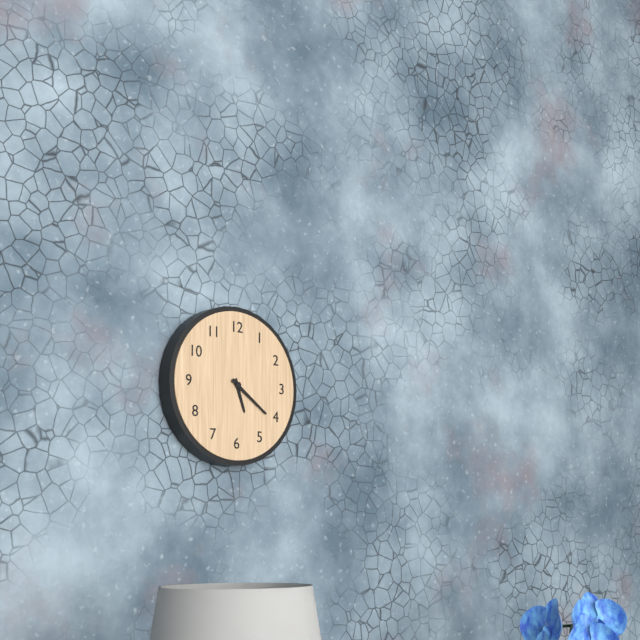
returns {"hour": 5, "minute": 21}
